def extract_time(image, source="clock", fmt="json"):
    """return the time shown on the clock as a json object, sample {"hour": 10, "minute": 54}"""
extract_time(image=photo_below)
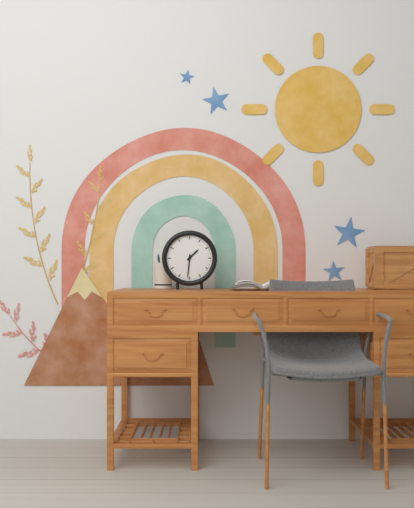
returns {"hour": 1, "minute": 31}
